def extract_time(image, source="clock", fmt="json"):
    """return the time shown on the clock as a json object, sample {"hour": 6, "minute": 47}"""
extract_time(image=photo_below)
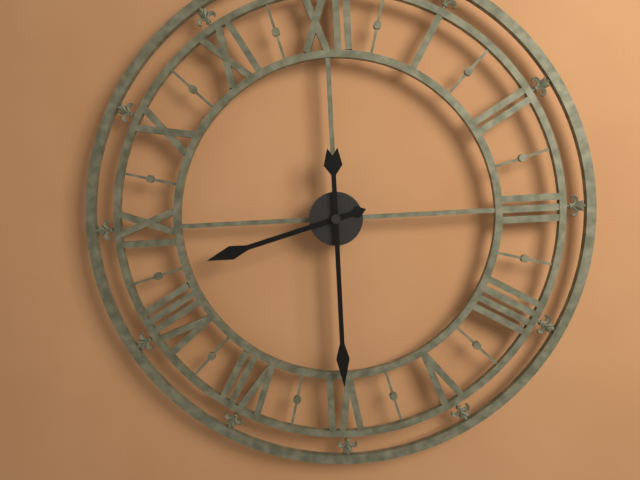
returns {"hour": 8, "minute": 30}
